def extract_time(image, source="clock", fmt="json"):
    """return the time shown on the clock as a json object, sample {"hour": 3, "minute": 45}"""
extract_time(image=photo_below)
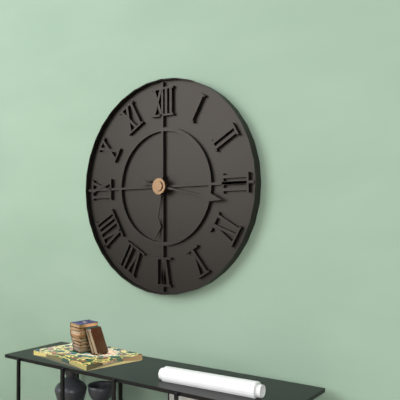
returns {"hour": 6, "minute": 17}
